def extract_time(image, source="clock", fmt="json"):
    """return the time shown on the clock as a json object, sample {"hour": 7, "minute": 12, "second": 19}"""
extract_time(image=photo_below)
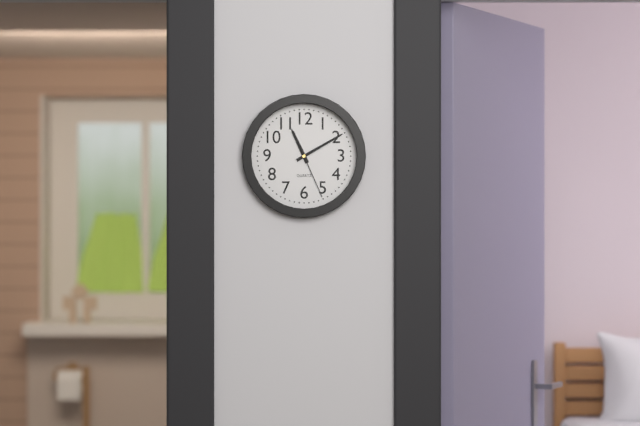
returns {"hour": 11, "minute": 10, "second": 26}
